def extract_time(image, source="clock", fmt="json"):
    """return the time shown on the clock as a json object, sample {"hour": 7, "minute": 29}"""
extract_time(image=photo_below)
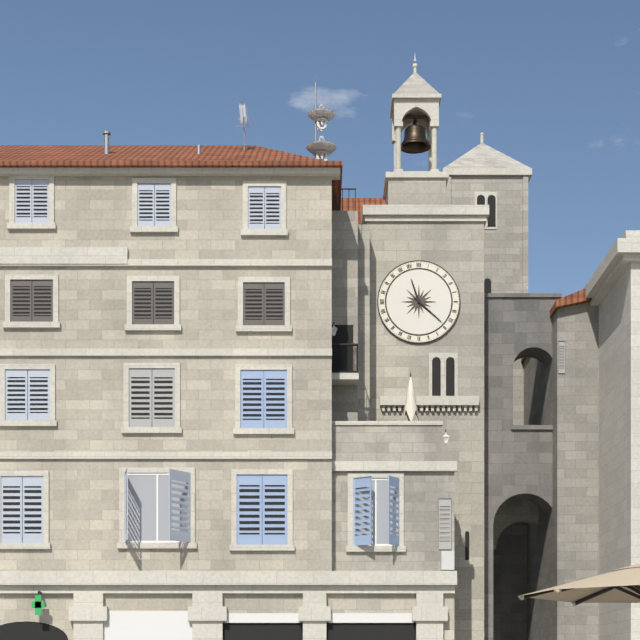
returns {"hour": 11, "minute": 22}
